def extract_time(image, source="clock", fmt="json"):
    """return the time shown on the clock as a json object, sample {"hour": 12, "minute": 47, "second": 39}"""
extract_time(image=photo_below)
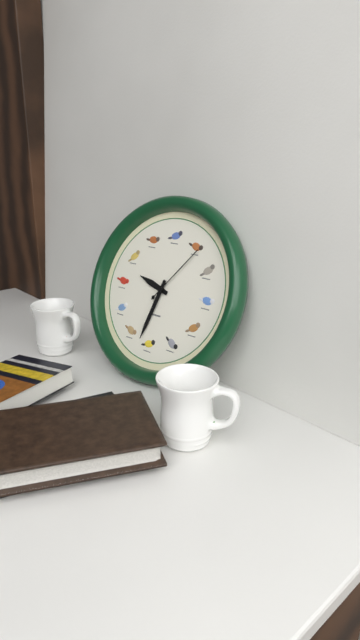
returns {"hour": 9, "minute": 32, "second": 6}
